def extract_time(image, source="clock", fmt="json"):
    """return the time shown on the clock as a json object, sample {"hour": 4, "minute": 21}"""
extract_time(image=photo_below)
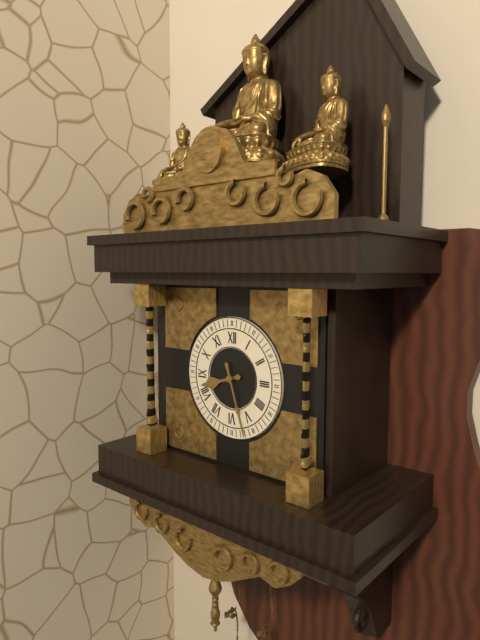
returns {"hour": 8, "minute": 27}
